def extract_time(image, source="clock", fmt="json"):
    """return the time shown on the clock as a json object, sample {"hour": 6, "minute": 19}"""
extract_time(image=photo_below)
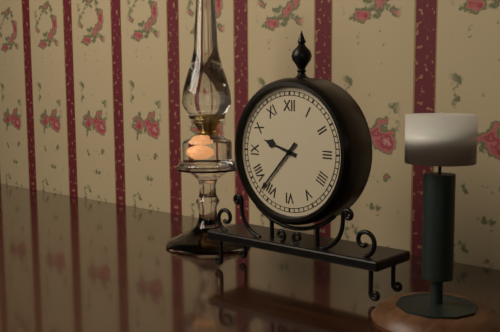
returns {"hour": 9, "minute": 37}
